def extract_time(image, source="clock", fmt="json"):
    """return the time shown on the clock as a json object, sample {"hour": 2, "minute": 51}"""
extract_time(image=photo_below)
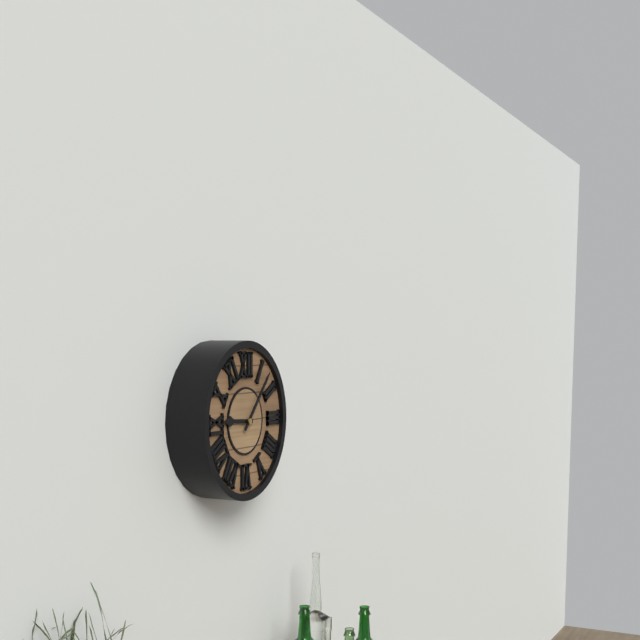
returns {"hour": 9, "minute": 7}
